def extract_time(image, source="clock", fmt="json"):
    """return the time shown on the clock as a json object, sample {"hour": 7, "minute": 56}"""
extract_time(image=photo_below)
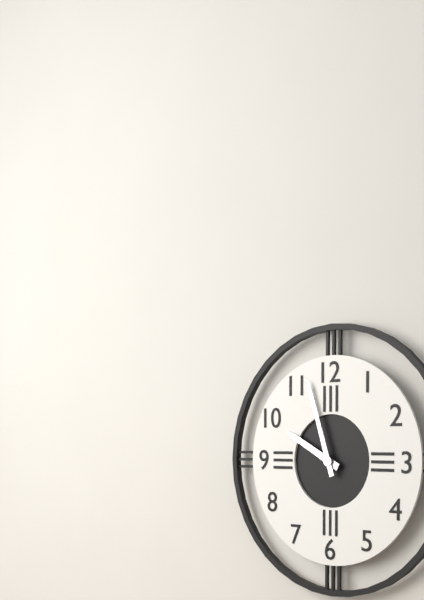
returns {"hour": 9, "minute": 57}
